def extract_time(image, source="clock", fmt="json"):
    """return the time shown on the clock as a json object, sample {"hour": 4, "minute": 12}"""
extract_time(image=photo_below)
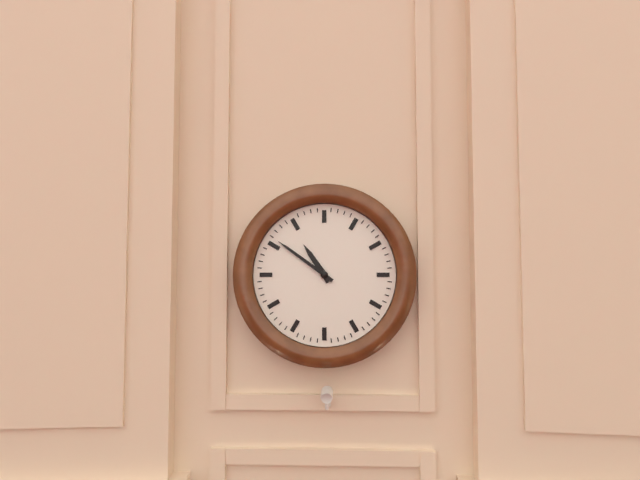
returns {"hour": 10, "minute": 51}
